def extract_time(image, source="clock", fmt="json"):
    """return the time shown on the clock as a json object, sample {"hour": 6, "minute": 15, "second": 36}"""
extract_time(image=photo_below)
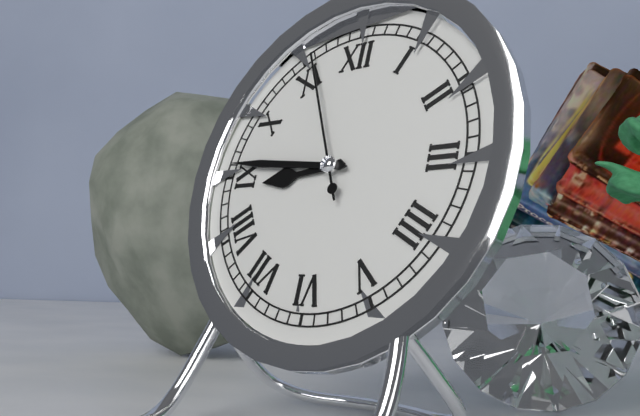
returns {"hour": 8, "minute": 46, "second": 56}
